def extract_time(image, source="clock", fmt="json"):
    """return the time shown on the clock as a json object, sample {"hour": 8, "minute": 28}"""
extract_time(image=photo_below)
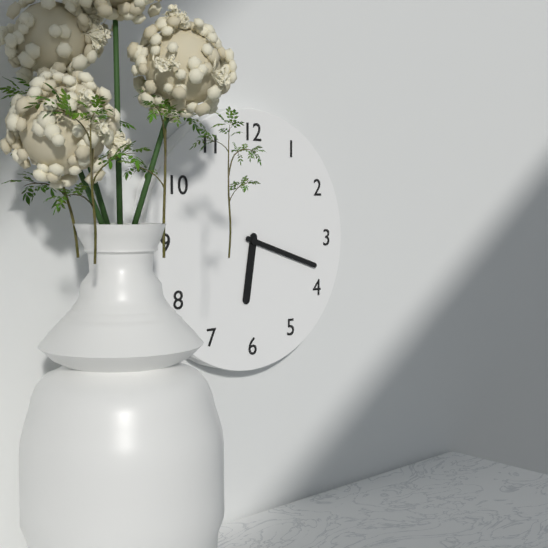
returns {"hour": 6, "minute": 18}
